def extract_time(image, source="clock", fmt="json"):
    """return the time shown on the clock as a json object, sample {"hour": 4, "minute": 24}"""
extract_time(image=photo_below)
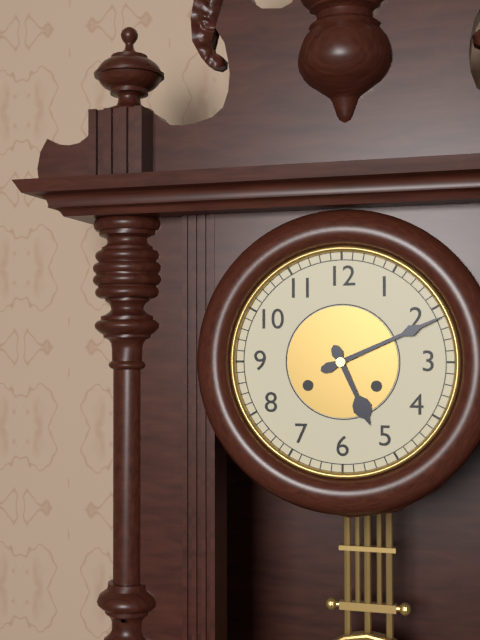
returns {"hour": 5, "minute": 11}
